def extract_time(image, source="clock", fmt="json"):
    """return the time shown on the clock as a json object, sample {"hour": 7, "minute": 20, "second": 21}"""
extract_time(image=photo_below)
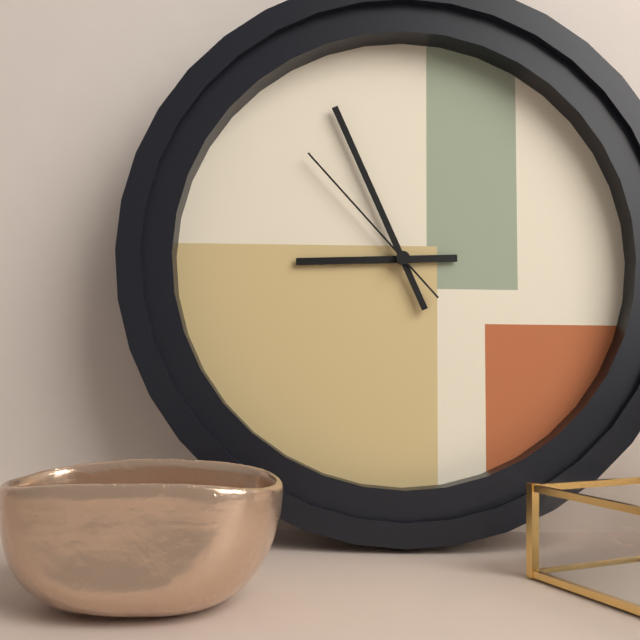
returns {"hour": 8, "minute": 56, "second": 53}
